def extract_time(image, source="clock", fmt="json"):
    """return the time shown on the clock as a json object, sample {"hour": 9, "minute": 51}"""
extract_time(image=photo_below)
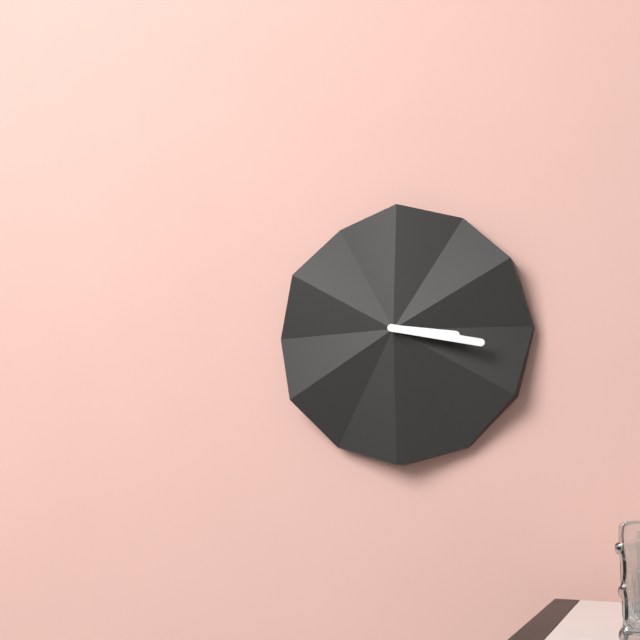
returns {"hour": 3, "minute": 17}
